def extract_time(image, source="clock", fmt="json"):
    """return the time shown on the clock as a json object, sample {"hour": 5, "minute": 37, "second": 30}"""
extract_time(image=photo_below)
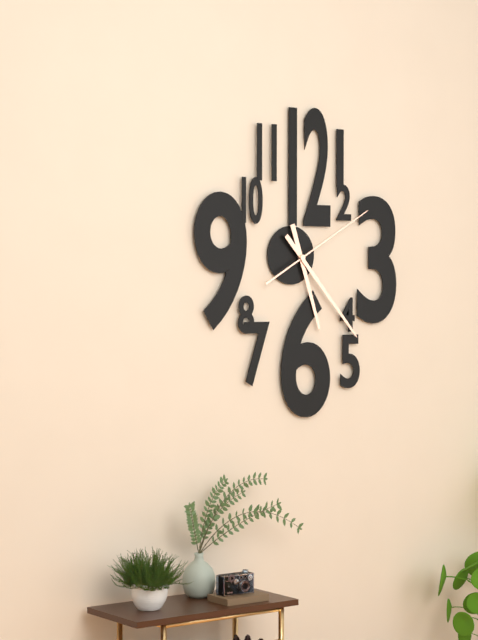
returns {"hour": 5, "minute": 23, "second": 10}
